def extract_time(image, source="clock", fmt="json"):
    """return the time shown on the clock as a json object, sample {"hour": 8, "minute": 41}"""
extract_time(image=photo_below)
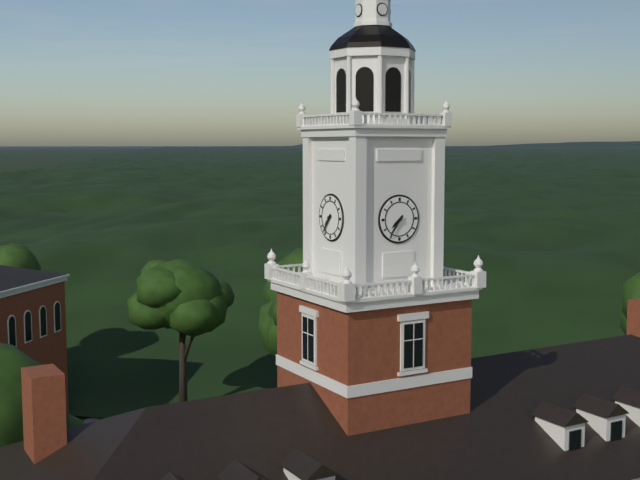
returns {"hour": 7, "minute": 36}
